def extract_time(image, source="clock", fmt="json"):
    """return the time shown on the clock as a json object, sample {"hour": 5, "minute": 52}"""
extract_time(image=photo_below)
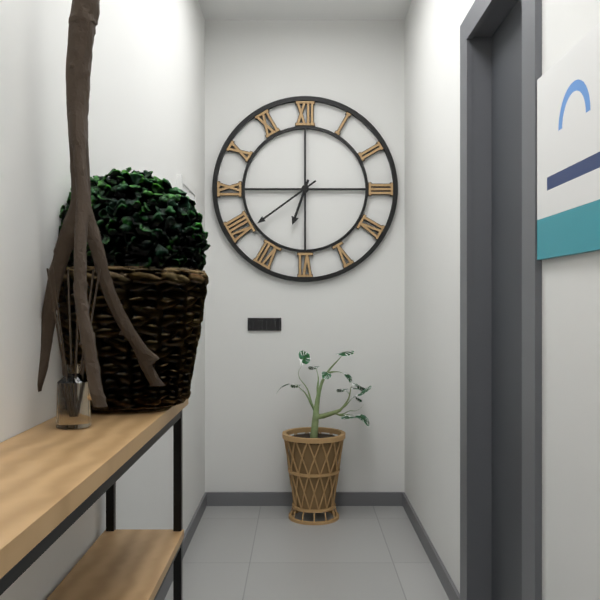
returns {"hour": 6, "minute": 39}
